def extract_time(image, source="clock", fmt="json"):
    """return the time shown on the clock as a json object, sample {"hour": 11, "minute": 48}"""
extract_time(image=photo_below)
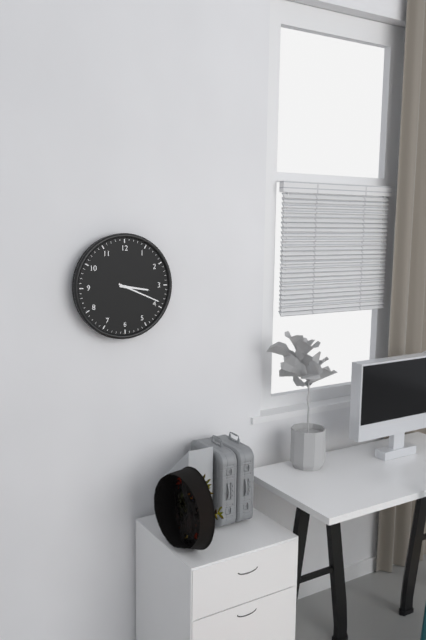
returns {"hour": 3, "minute": 19}
